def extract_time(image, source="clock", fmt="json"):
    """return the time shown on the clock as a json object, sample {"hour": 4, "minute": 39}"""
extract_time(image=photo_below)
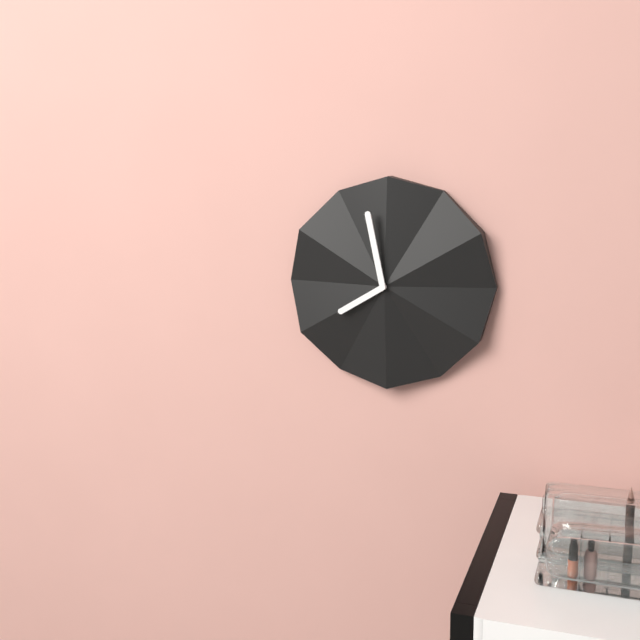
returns {"hour": 7, "minute": 58}
